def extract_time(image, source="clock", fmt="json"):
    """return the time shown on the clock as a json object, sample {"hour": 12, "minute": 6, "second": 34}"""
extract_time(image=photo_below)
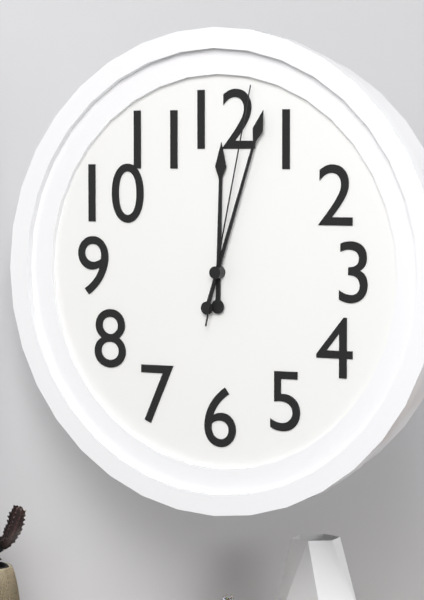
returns {"hour": 12, "minute": 3, "second": 2}
